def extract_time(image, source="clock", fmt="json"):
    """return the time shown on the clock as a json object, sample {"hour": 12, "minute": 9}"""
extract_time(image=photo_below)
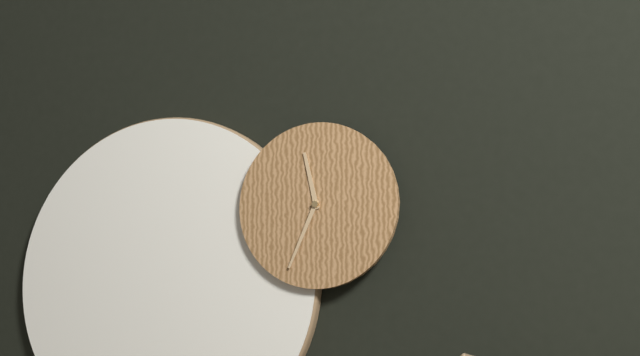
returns {"hour": 11, "minute": 34}
